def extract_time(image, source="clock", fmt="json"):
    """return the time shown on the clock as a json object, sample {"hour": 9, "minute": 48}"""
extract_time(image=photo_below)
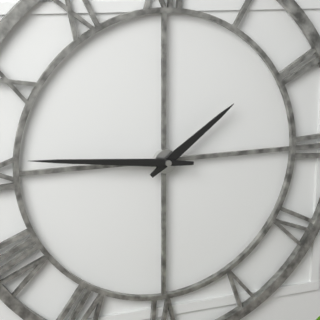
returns {"hour": 1, "minute": 46}
